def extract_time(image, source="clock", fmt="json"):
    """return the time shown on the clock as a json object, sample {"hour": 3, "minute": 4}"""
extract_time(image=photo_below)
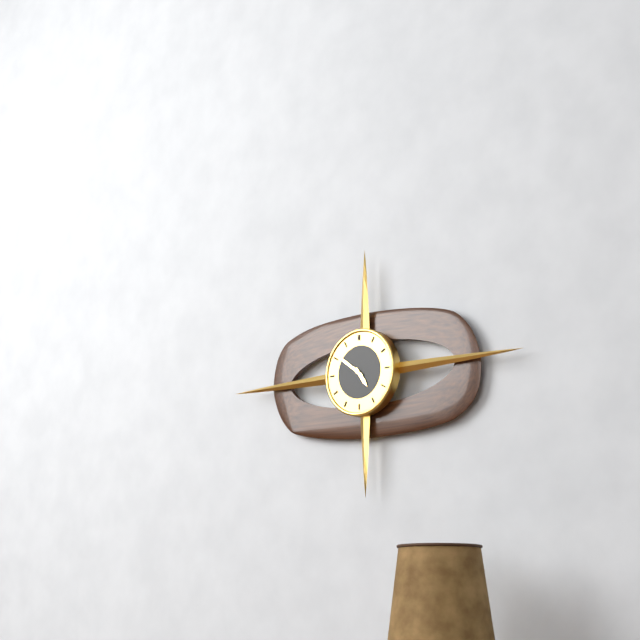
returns {"hour": 4, "minute": 51}
